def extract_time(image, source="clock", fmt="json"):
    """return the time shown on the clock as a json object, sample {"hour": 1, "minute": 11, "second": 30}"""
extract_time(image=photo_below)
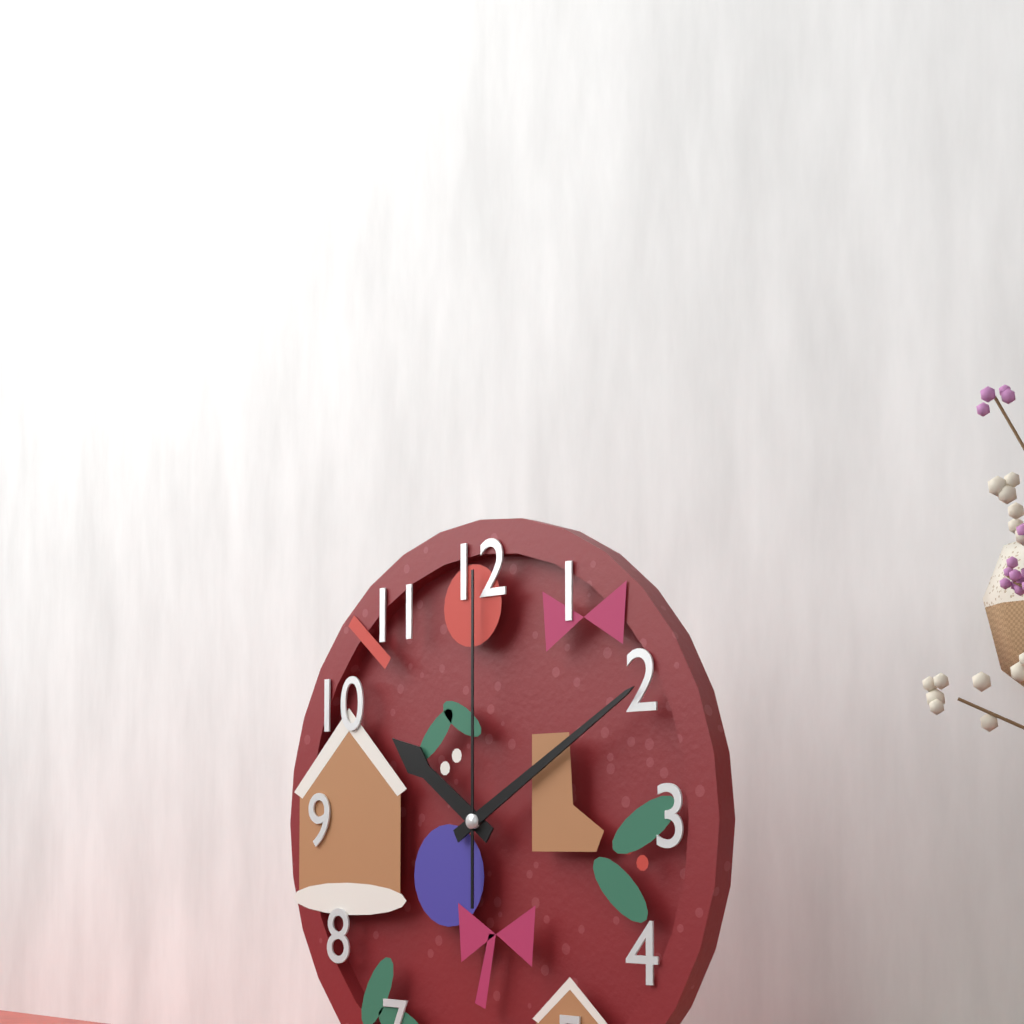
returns {"hour": 10, "minute": 10, "second": 0}
